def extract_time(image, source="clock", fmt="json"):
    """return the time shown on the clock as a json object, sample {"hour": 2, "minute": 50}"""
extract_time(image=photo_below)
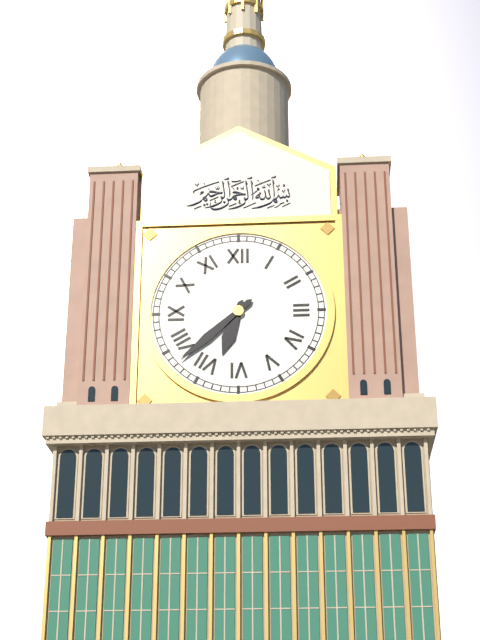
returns {"hour": 6, "minute": 38}
